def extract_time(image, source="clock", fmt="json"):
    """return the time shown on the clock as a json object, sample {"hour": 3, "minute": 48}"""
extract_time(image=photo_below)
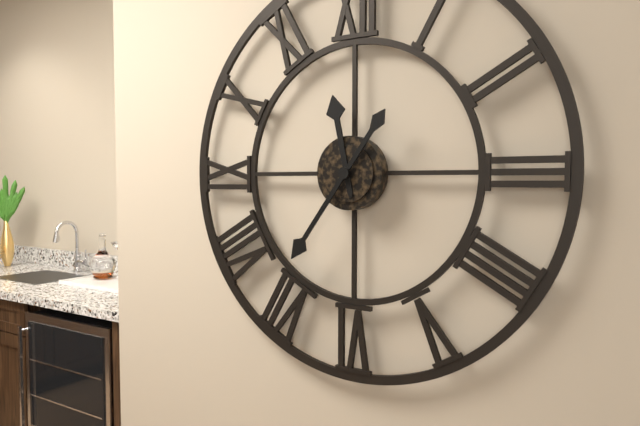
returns {"hour": 11, "minute": 36}
